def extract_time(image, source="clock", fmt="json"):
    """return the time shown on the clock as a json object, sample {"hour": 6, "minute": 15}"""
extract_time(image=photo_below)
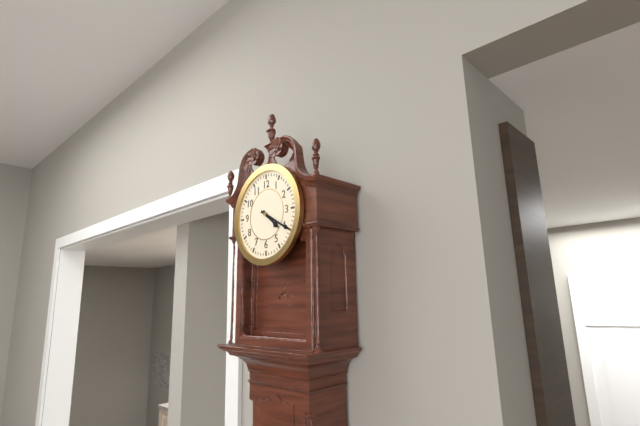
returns {"hour": 4, "minute": 20}
